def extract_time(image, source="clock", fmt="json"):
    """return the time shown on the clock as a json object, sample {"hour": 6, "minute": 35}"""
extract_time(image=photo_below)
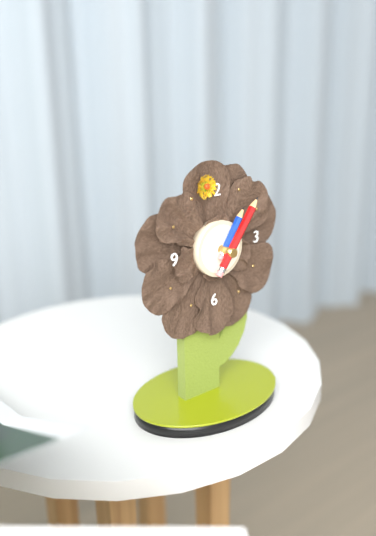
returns {"hour": 1, "minute": 6}
